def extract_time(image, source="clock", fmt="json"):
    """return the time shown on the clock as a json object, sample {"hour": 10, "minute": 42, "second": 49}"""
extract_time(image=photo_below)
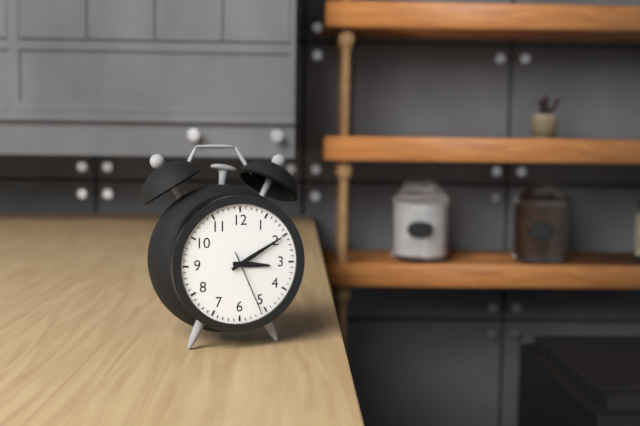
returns {"hour": 3, "minute": 10, "second": 26}
